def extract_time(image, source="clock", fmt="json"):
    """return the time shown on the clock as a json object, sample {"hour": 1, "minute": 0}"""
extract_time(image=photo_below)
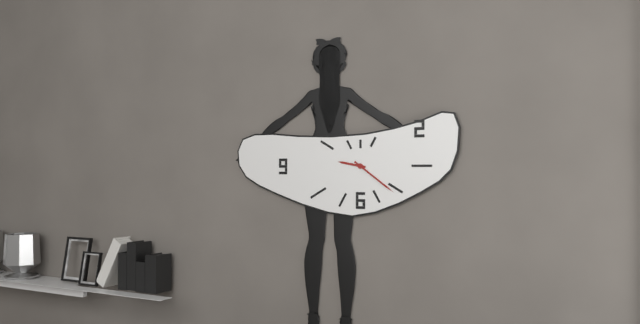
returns {"hour": 9, "minute": 21}
